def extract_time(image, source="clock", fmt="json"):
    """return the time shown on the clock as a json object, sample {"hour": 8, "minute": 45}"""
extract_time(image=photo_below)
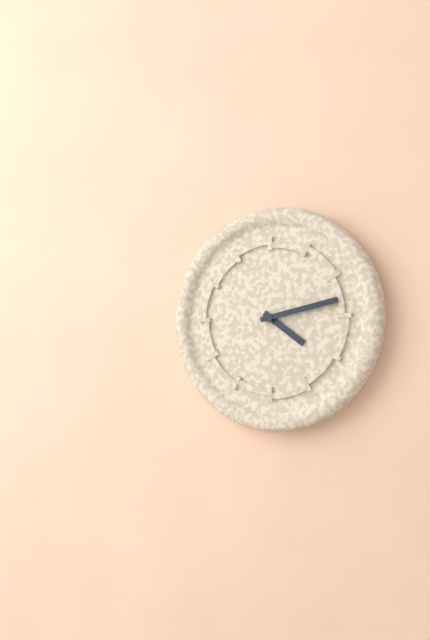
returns {"hour": 4, "minute": 13}
